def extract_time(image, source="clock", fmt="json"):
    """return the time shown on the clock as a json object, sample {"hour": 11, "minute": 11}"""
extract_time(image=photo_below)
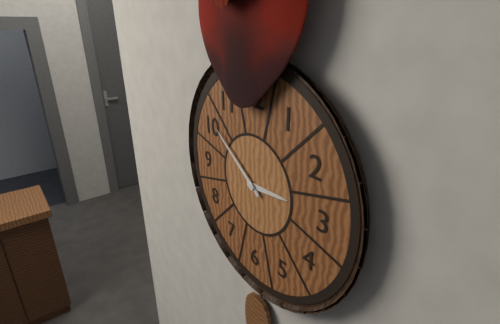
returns {"hour": 2, "minute": 51}
